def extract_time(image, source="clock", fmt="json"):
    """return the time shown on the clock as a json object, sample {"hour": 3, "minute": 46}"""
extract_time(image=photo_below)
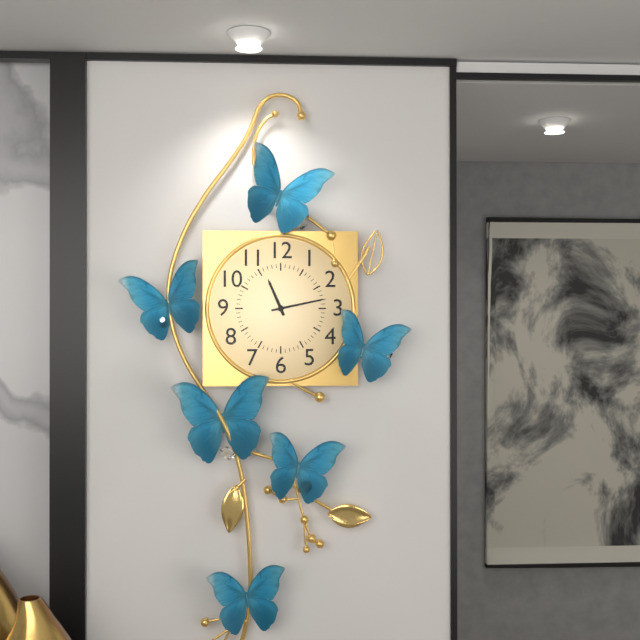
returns {"hour": 11, "minute": 13}
